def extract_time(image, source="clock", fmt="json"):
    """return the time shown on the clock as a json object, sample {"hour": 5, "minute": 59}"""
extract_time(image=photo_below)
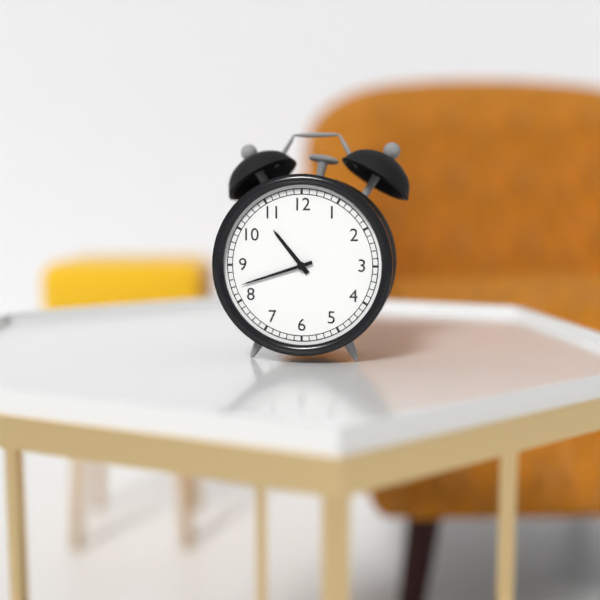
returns {"hour": 10, "minute": 42}
